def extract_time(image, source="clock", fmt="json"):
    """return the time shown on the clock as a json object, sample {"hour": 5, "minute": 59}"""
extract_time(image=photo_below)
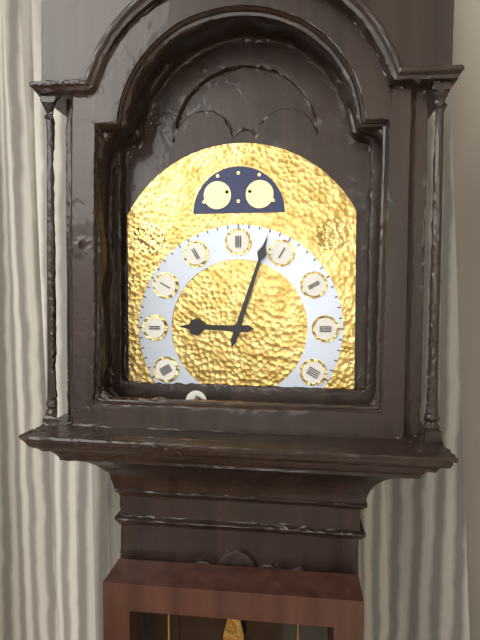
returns {"hour": 9, "minute": 3}
